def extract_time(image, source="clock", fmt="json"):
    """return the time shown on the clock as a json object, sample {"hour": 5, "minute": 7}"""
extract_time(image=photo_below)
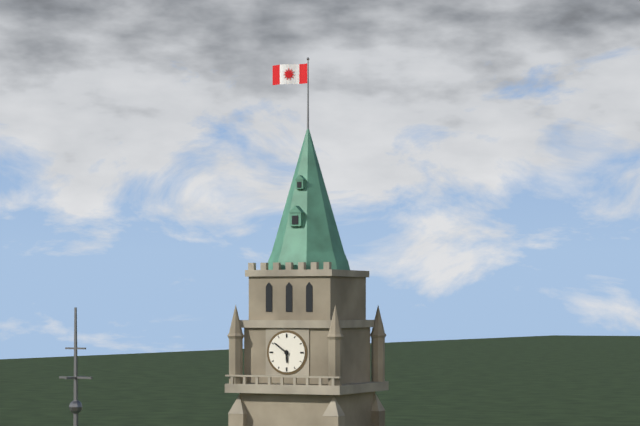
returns {"hour": 5, "minute": 51}
